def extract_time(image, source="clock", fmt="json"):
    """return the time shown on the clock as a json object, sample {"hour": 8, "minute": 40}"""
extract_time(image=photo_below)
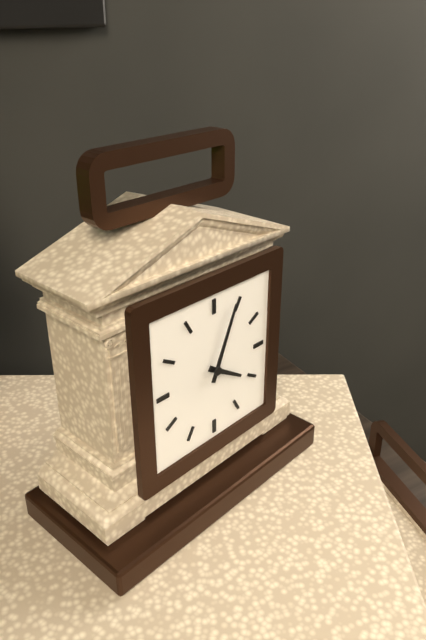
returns {"hour": 4, "minute": 4}
